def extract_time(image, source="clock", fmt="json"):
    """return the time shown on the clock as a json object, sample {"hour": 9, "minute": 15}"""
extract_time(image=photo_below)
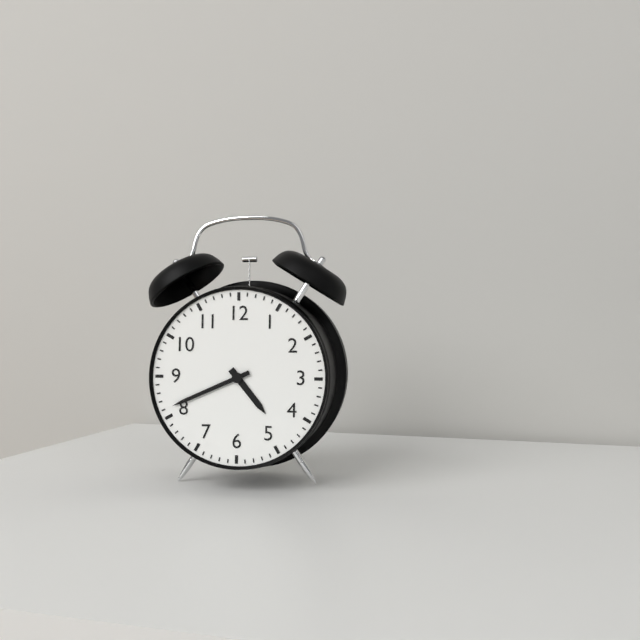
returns {"hour": 4, "minute": 41}
